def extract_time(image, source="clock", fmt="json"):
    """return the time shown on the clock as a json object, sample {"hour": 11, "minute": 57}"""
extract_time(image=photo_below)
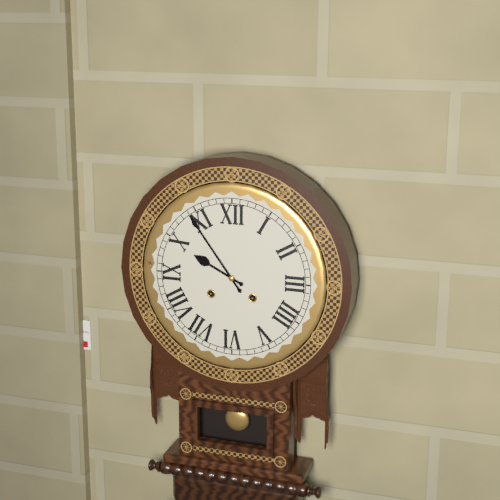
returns {"hour": 9, "minute": 54}
